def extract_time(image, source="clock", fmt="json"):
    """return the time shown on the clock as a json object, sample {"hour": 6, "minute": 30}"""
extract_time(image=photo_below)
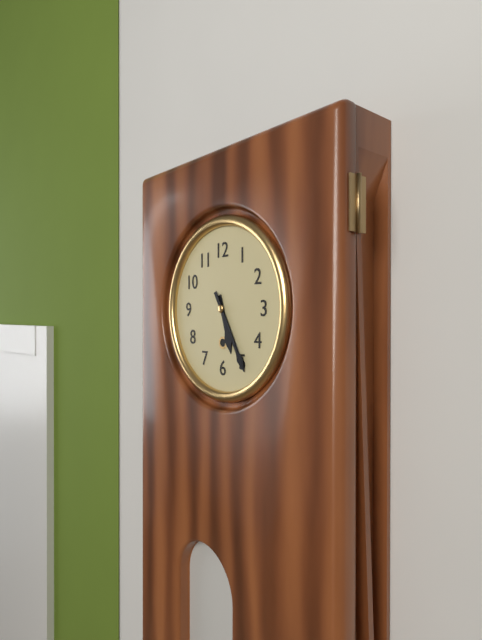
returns {"hour": 5, "minute": 25}
